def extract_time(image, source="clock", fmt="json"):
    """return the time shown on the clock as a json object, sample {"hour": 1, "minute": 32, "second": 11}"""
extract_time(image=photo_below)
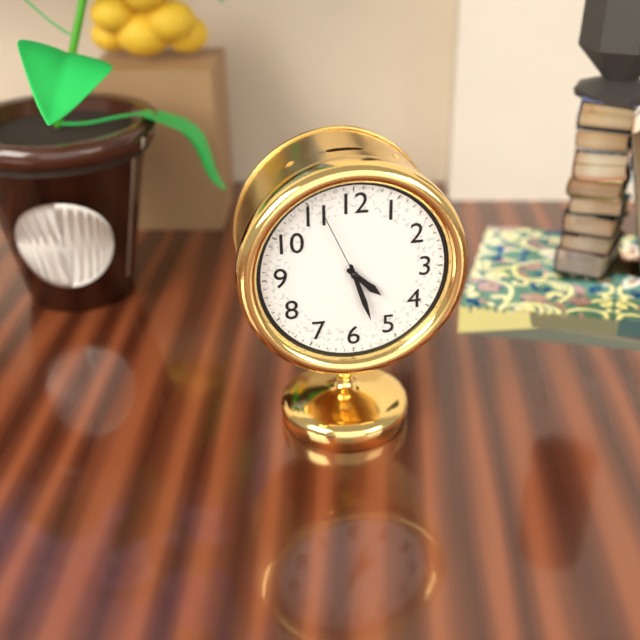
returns {"hour": 4, "minute": 27, "second": 56}
